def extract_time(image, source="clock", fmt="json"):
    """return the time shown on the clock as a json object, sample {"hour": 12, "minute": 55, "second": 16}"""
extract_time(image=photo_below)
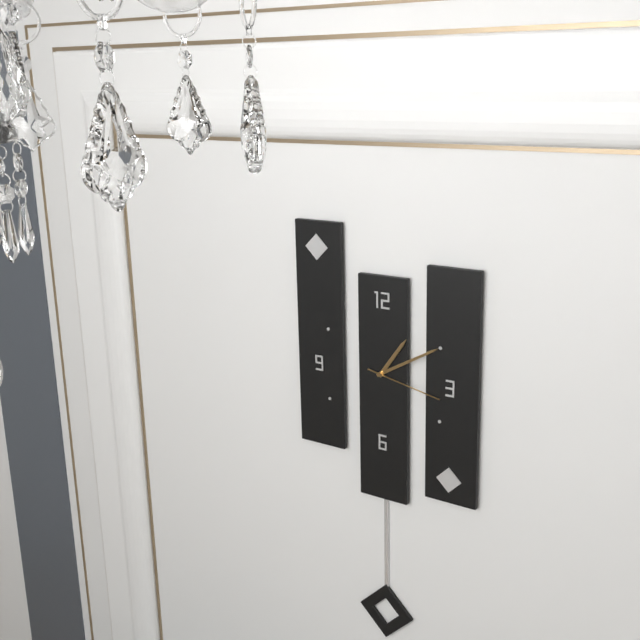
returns {"hour": 1, "minute": 10, "second": 17}
